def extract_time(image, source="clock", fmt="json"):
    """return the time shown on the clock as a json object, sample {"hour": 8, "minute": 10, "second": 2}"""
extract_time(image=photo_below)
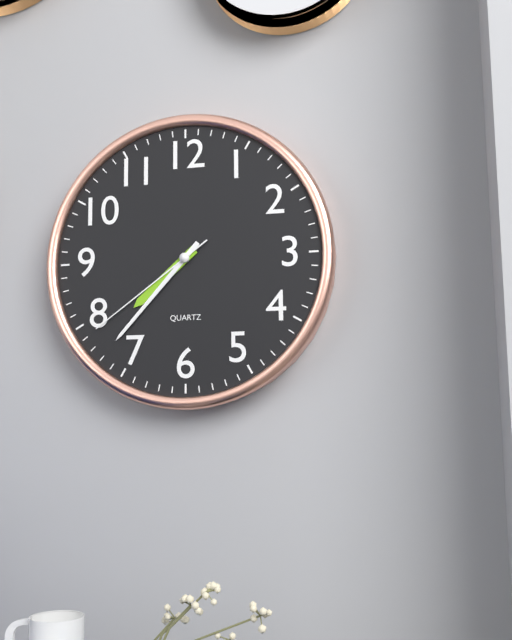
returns {"hour": 7, "minute": 37, "second": 39}
